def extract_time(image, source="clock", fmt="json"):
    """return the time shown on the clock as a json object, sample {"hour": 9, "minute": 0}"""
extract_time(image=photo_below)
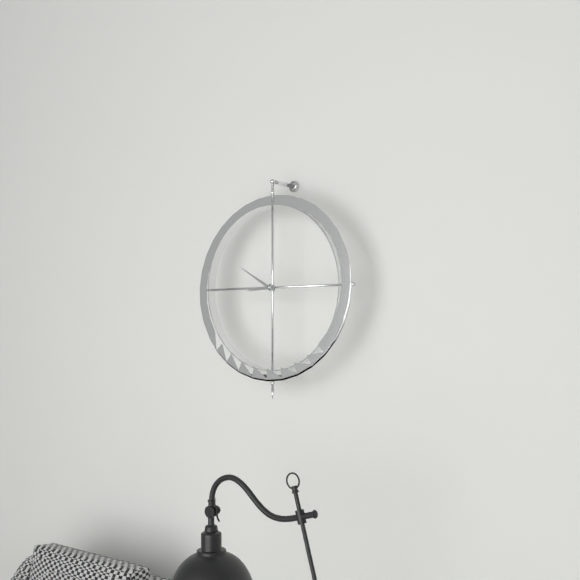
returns {"hour": 8, "minute": 50}
